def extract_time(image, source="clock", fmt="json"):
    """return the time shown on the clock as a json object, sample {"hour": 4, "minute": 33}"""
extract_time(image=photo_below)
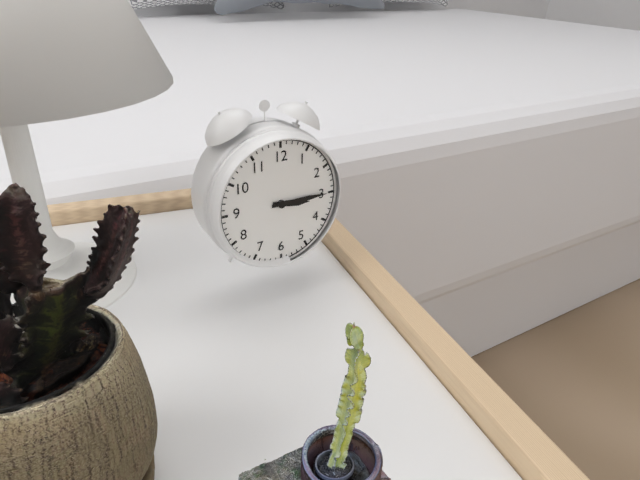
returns {"hour": 3, "minute": 15}
